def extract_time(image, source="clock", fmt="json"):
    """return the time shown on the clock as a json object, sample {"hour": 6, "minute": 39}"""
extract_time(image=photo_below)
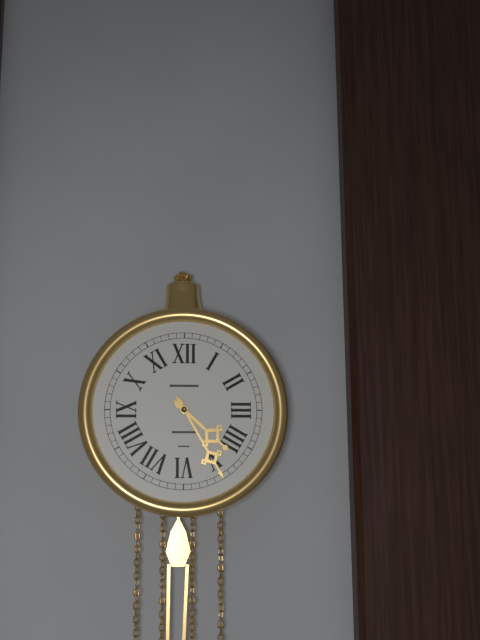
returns {"hour": 4, "minute": 25}
